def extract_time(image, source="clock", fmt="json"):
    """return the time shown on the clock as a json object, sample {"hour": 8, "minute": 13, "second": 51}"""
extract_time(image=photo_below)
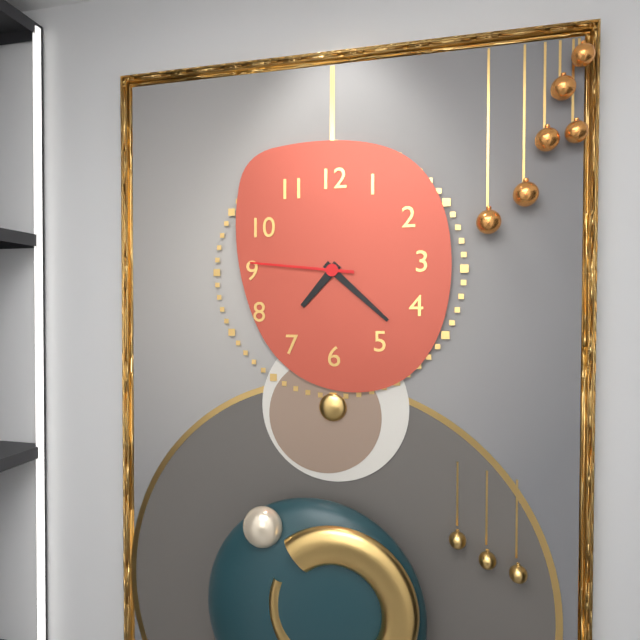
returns {"hour": 7, "minute": 22, "second": 46}
